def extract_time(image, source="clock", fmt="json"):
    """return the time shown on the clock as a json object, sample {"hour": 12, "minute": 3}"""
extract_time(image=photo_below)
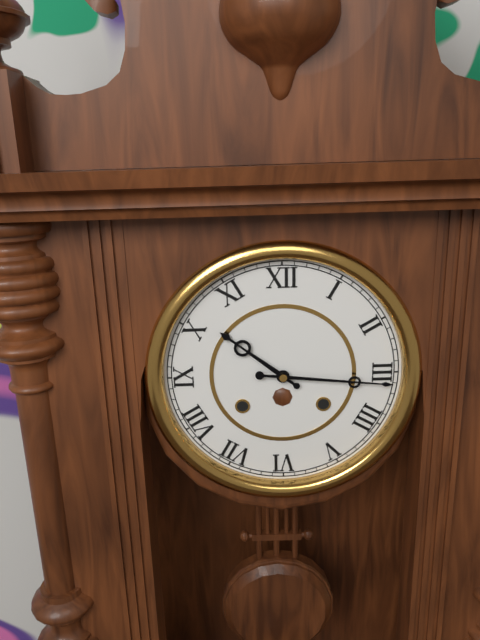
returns {"hour": 10, "minute": 16}
